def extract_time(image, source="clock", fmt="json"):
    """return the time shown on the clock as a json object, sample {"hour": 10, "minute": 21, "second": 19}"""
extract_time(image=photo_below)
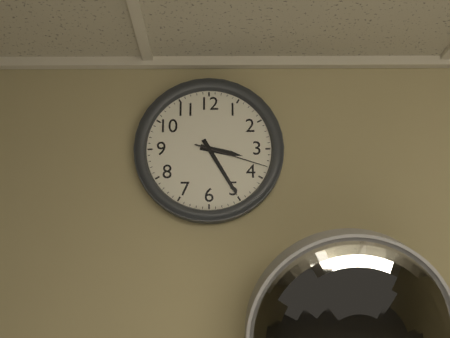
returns {"hour": 3, "minute": 25, "second": 18}
